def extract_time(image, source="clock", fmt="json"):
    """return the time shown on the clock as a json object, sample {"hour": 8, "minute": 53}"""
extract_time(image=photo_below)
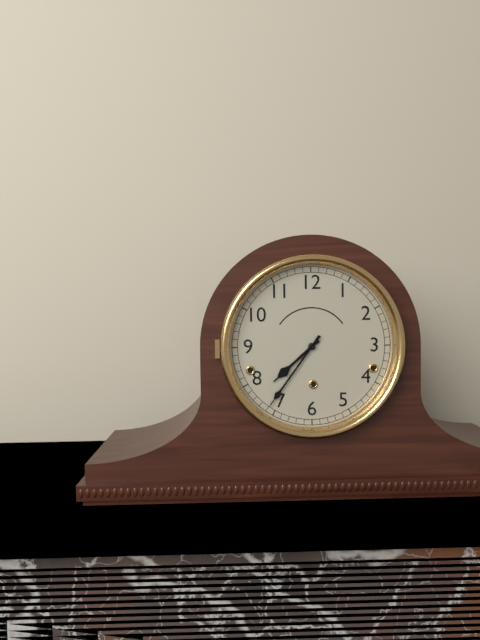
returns {"hour": 7, "minute": 36}
